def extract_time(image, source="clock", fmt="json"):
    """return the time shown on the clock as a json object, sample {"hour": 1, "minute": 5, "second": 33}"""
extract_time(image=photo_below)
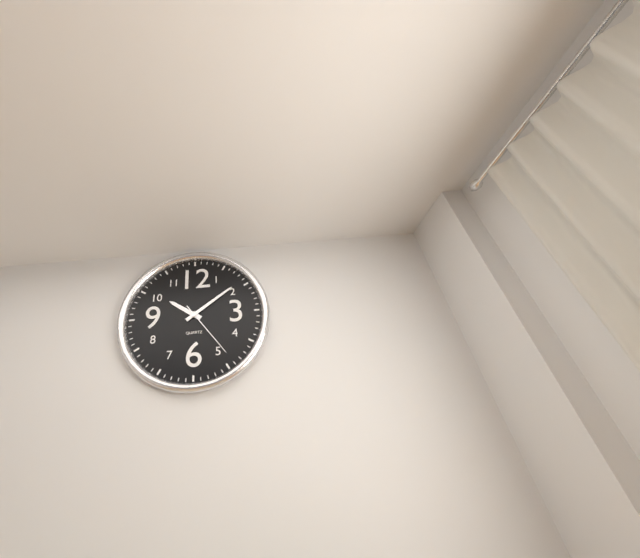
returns {"hour": 10, "minute": 9, "second": 24}
